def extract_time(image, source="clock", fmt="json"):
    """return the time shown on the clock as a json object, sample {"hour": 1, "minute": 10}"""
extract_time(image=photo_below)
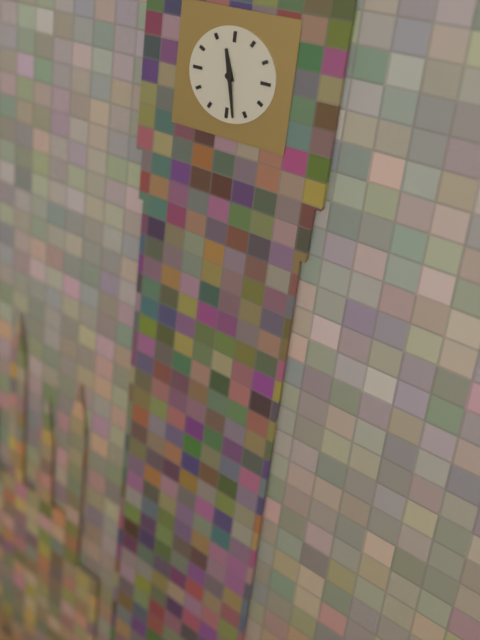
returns {"hour": 11, "minute": 28}
